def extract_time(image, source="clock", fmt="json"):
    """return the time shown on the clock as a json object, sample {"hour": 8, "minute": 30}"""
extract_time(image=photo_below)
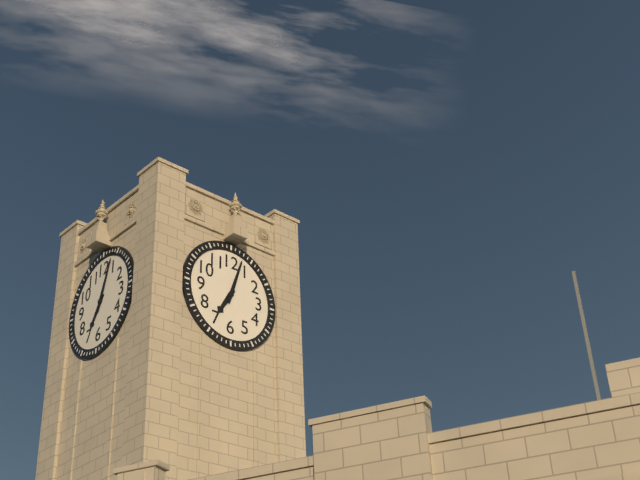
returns {"hour": 7, "minute": 3}
